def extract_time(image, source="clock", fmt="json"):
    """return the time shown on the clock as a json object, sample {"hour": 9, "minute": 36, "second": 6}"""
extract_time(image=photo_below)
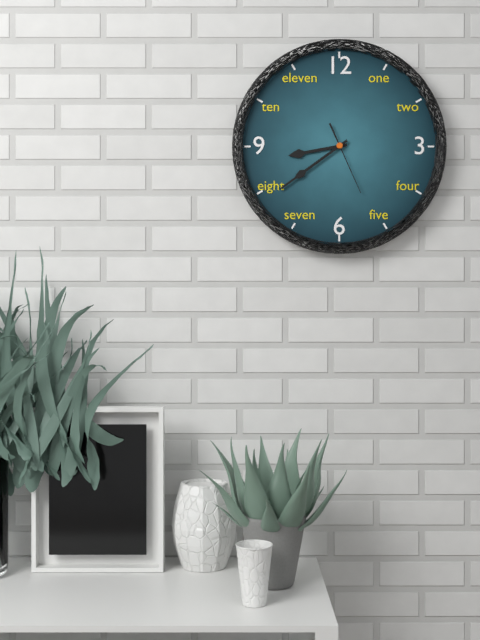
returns {"hour": 8, "minute": 39, "second": 26}
